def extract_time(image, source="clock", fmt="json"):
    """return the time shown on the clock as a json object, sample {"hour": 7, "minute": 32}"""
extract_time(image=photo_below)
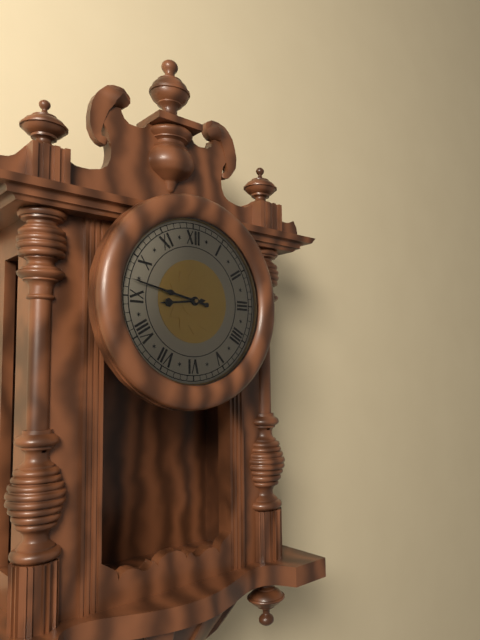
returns {"hour": 8, "minute": 47}
